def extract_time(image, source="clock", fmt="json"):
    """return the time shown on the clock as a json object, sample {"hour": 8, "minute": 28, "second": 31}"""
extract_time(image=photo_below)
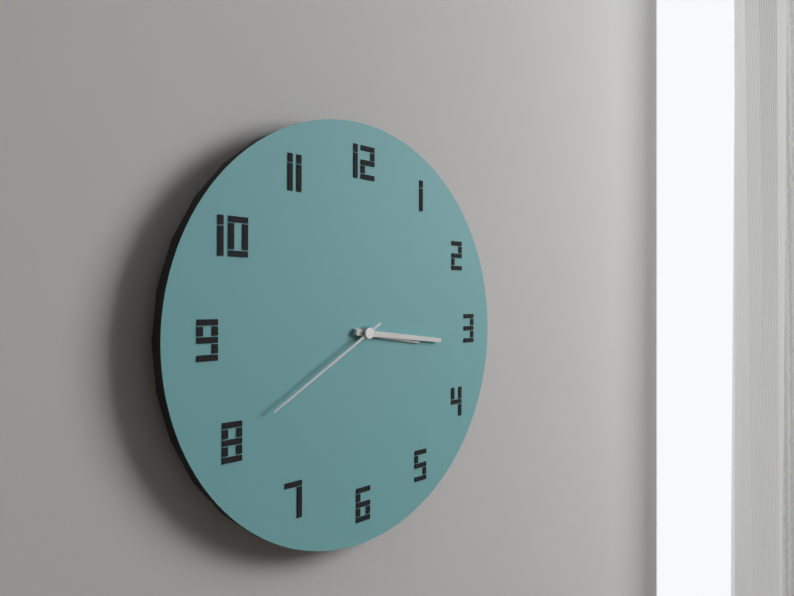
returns {"hour": 3, "minute": 16, "second": 40}
